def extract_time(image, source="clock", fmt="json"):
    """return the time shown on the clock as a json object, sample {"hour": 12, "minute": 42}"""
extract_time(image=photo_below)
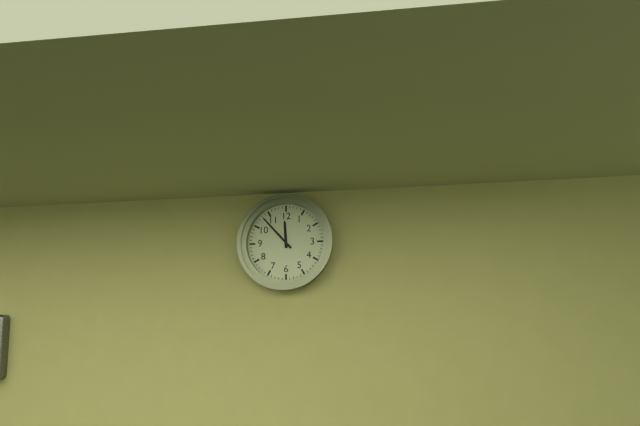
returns {"hour": 11, "minute": 53}
